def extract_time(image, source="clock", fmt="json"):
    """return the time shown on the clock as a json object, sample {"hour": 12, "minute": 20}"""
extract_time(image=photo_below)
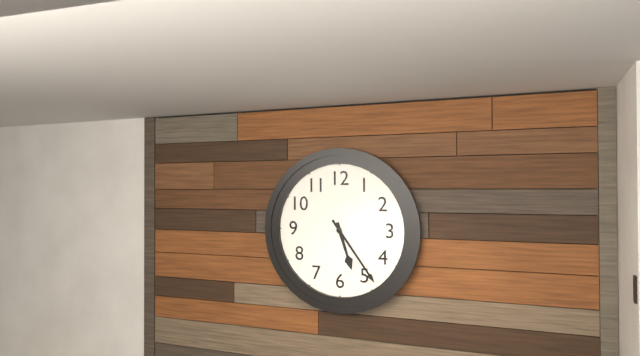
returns {"hour": 5, "minute": 24}
